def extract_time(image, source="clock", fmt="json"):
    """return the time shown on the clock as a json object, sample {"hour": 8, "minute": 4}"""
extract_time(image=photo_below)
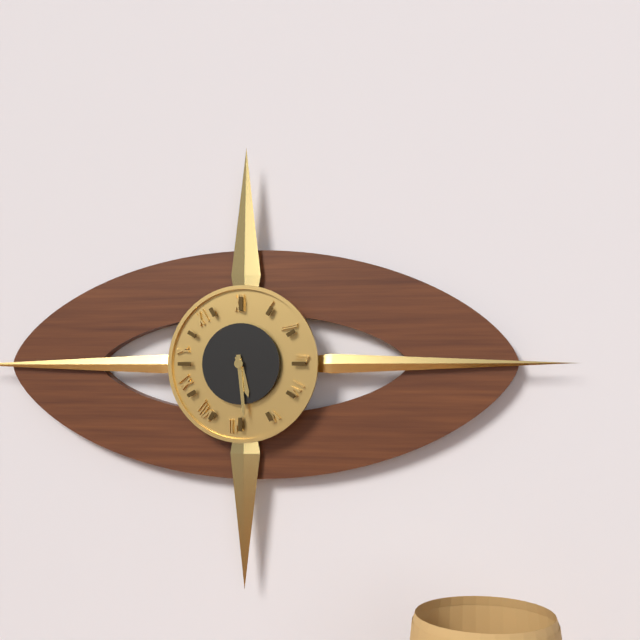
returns {"hour": 5, "minute": 29}
